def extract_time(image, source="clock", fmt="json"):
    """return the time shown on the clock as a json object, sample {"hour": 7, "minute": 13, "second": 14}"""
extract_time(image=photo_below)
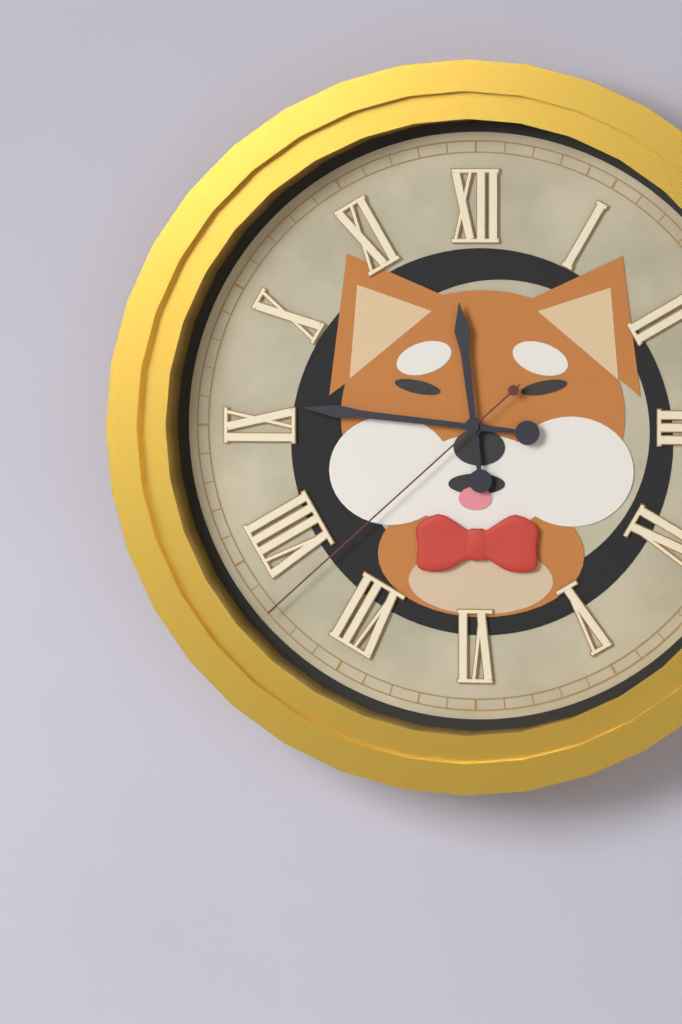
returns {"hour": 11, "minute": 46, "second": 38}
